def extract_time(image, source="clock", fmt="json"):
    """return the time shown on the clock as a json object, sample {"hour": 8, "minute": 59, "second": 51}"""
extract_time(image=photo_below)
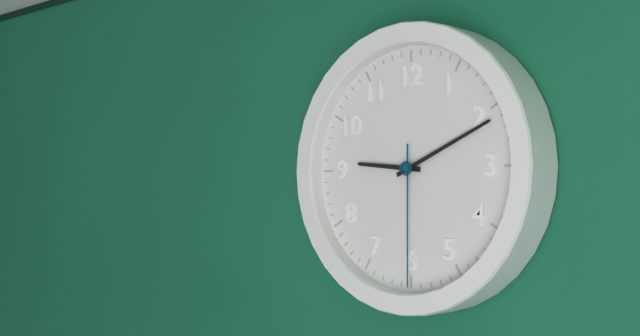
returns {"hour": 9, "minute": 11, "second": 30}
